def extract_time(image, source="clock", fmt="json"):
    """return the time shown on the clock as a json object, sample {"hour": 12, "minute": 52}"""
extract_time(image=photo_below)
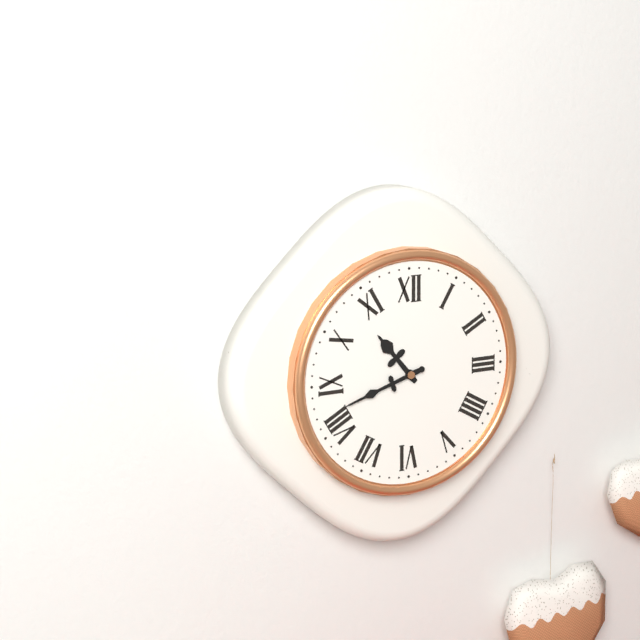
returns {"hour": 10, "minute": 42}
